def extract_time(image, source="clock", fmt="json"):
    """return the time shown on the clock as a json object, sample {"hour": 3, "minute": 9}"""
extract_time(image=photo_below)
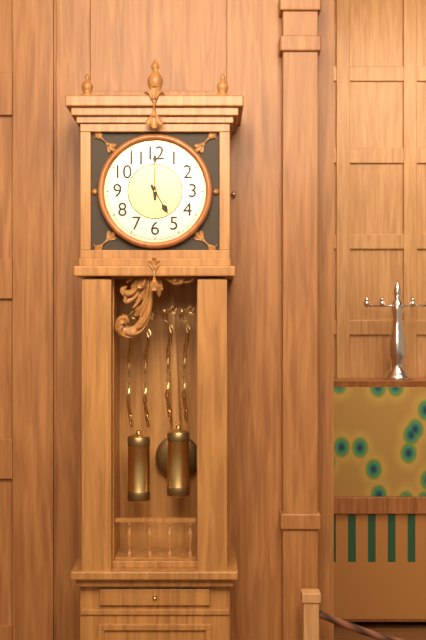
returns {"hour": 5, "minute": 0}
